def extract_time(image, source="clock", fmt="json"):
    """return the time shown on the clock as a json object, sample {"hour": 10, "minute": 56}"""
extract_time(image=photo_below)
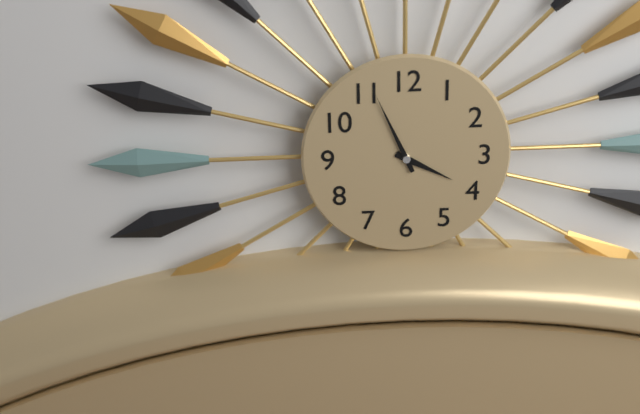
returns {"hour": 3, "minute": 56}
